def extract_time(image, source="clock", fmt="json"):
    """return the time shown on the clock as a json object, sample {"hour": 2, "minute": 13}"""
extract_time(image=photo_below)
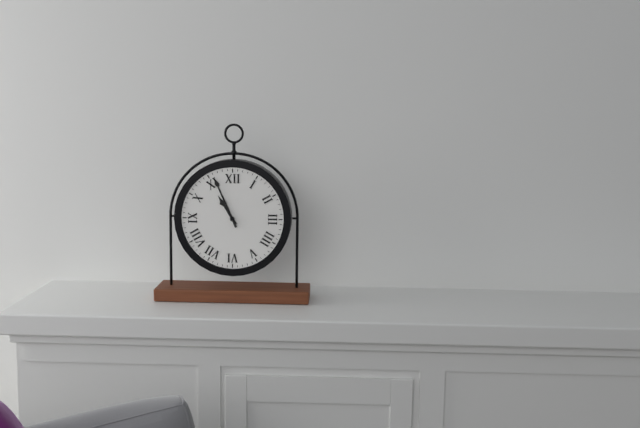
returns {"hour": 10, "minute": 56}
